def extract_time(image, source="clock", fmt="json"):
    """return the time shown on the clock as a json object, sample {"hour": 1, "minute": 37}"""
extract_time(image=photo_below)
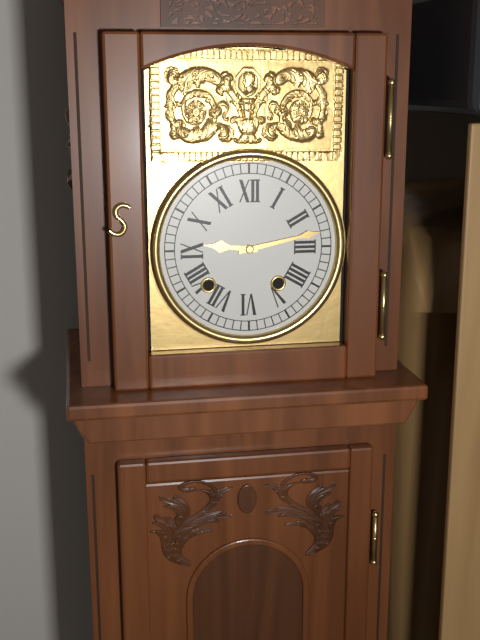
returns {"hour": 9, "minute": 13}
